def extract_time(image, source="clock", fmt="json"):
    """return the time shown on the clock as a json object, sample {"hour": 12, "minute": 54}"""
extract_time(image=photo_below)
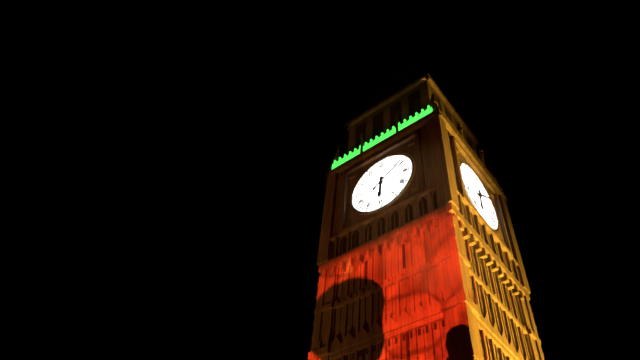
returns {"hour": 6, "minute": 9}
